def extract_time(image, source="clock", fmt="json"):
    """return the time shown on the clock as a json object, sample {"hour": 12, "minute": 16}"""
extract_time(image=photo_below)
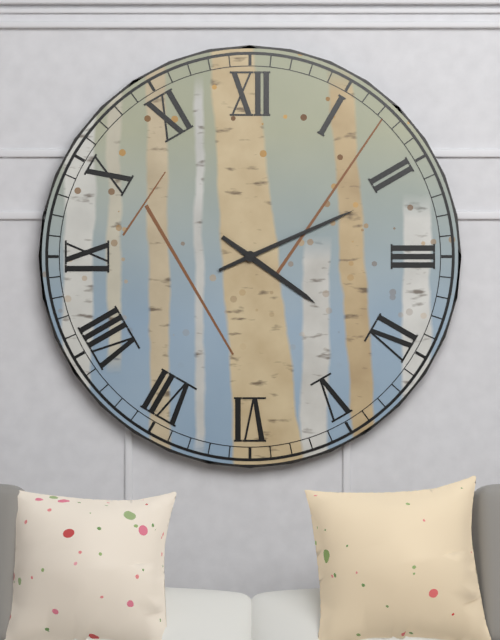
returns {"hour": 4, "minute": 11}
